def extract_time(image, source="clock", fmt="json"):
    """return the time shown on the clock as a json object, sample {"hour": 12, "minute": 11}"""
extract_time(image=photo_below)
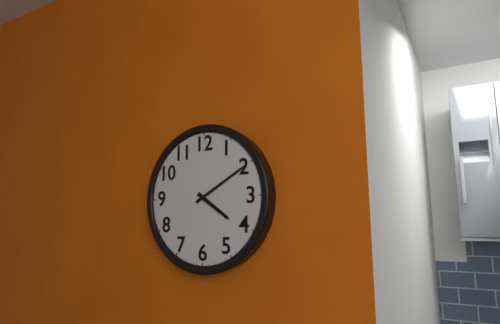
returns {"hour": 4, "minute": 10}
